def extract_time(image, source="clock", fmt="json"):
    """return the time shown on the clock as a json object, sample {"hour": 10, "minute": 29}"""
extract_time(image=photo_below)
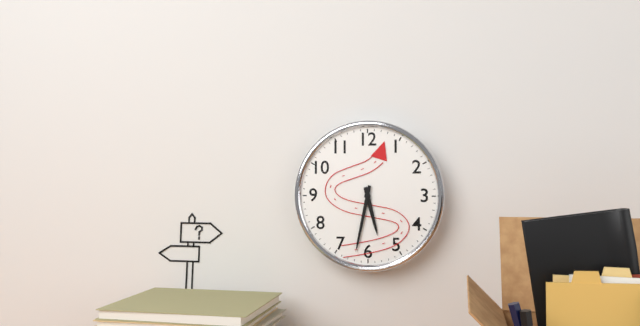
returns {"hour": 5, "minute": 32}
